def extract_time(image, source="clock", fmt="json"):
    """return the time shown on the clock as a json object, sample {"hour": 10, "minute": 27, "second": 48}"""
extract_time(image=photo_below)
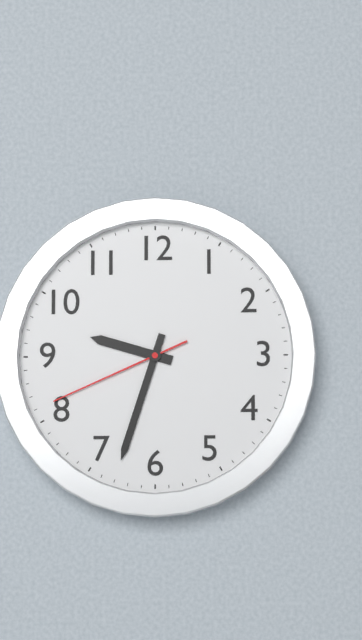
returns {"hour": 9, "minute": 33, "second": 41}
